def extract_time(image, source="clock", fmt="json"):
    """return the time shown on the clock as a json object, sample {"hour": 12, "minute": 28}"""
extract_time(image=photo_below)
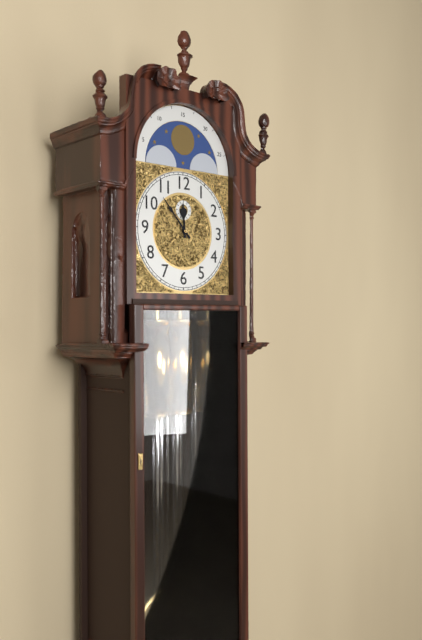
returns {"hour": 11, "minute": 53}
